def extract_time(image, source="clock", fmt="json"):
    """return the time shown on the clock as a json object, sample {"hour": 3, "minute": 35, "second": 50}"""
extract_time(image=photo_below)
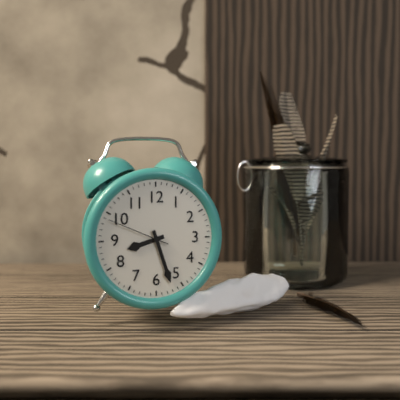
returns {"hour": 8, "minute": 27, "second": 49}
